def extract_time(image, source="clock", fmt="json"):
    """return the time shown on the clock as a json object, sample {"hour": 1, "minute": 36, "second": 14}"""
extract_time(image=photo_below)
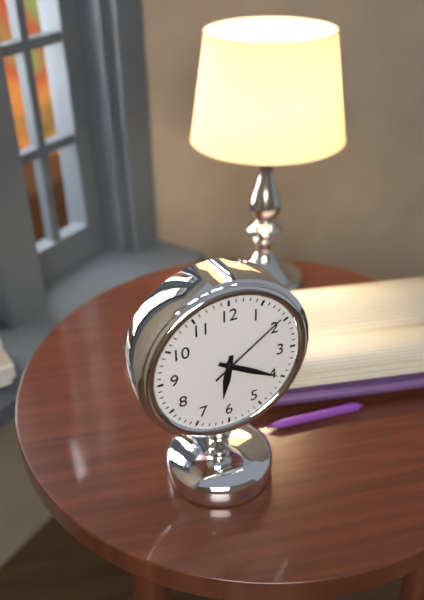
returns {"hour": 6, "minute": 20, "second": 9}
